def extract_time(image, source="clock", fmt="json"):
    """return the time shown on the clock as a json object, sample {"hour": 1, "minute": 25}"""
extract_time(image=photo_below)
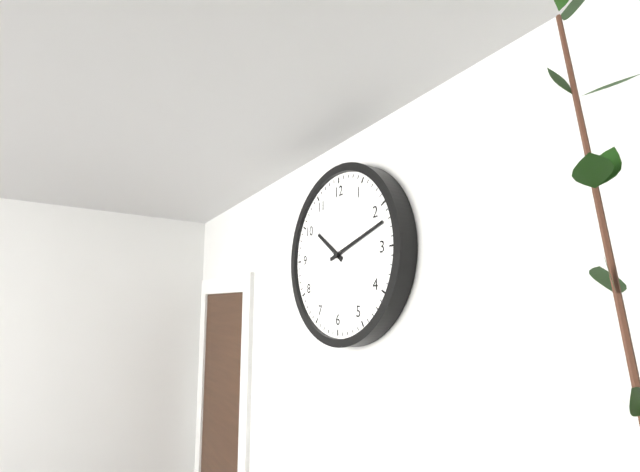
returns {"hour": 10, "minute": 12}
